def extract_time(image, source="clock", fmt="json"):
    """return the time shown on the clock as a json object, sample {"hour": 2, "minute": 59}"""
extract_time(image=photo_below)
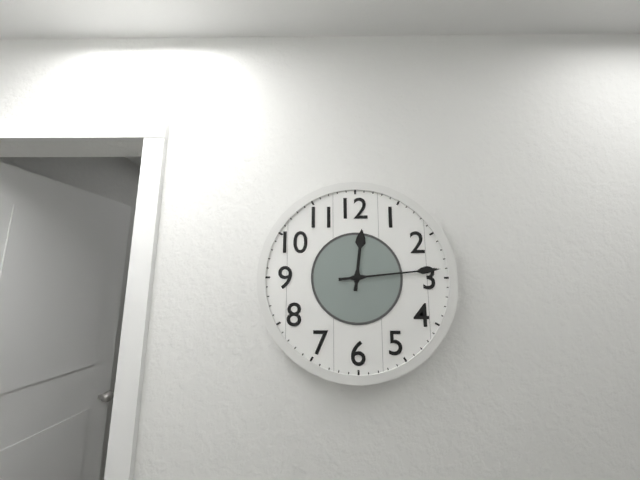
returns {"hour": 12, "minute": 14}
